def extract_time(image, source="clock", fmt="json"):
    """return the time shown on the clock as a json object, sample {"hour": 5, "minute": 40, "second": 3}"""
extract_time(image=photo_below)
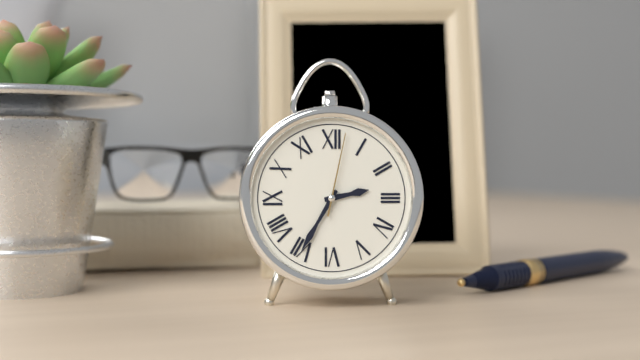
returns {"hour": 2, "minute": 35, "second": 2}
